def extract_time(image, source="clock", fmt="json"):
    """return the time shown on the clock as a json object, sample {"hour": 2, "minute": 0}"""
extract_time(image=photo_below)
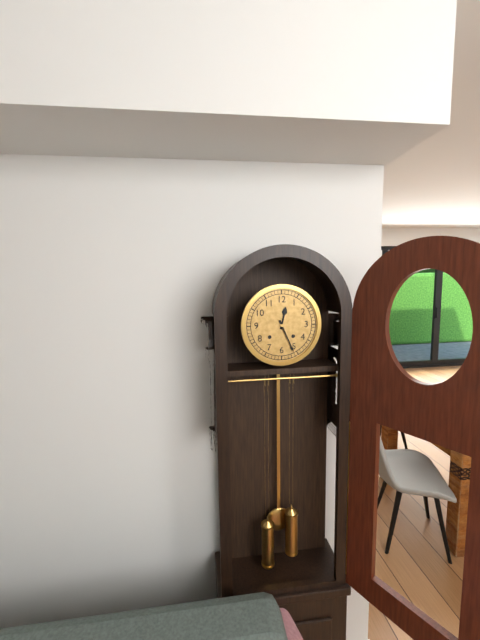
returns {"hour": 12, "minute": 26}
